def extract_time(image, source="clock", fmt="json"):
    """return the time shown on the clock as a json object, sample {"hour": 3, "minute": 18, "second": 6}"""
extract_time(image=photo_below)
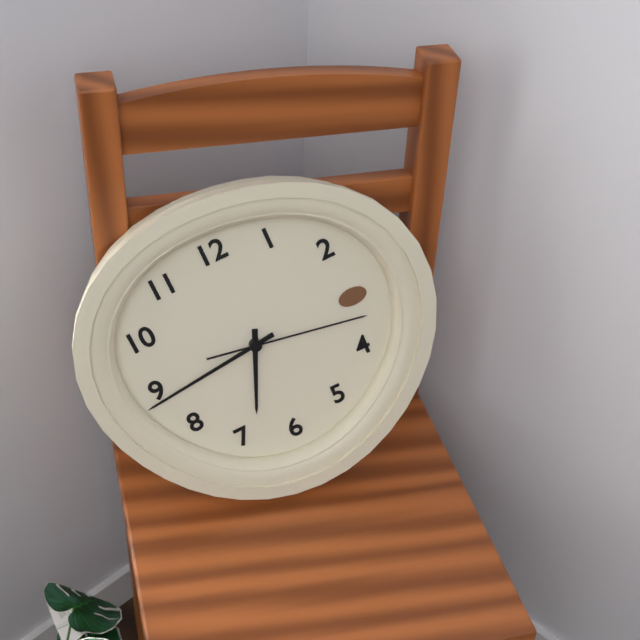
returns {"hour": 6, "minute": 44, "second": 17}
